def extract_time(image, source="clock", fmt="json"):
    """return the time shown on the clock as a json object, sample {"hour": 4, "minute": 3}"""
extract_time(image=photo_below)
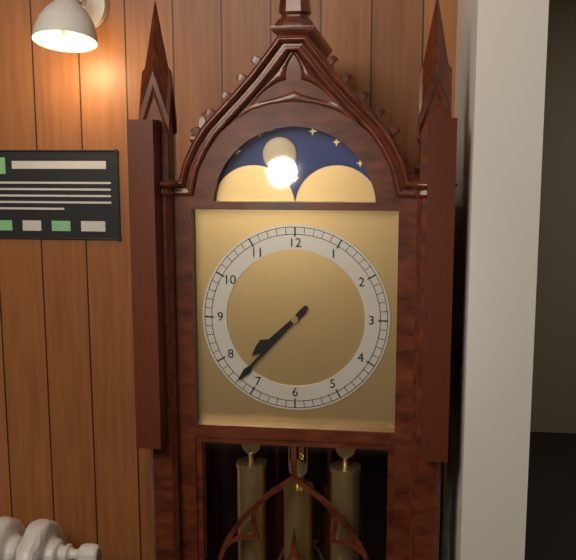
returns {"hour": 7, "minute": 37}
